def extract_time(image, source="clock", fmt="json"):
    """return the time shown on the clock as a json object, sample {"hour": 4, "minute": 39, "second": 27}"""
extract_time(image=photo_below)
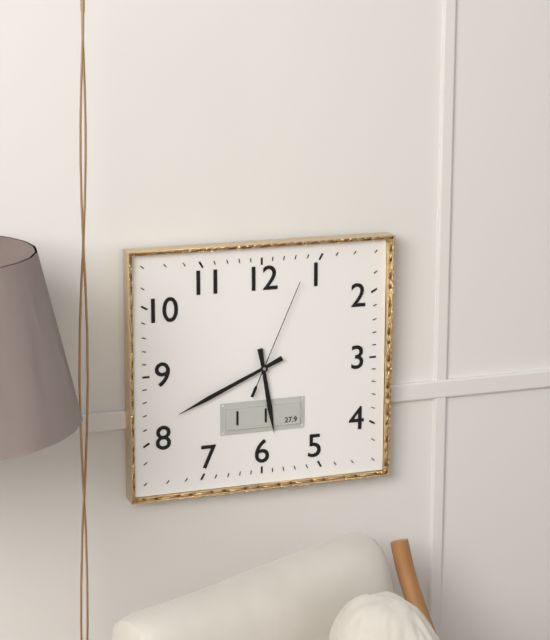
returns {"hour": 5, "minute": 41, "second": 4}
